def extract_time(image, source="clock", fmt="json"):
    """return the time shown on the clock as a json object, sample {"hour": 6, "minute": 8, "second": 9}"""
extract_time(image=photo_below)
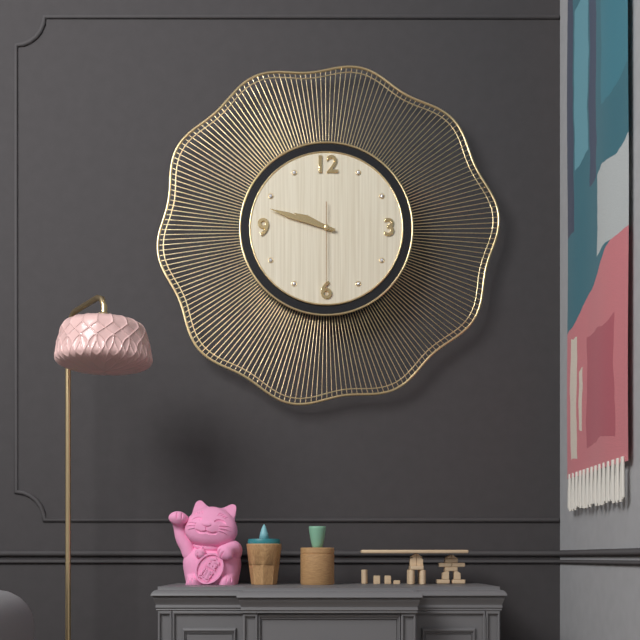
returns {"hour": 9, "minute": 48, "second": 30}
